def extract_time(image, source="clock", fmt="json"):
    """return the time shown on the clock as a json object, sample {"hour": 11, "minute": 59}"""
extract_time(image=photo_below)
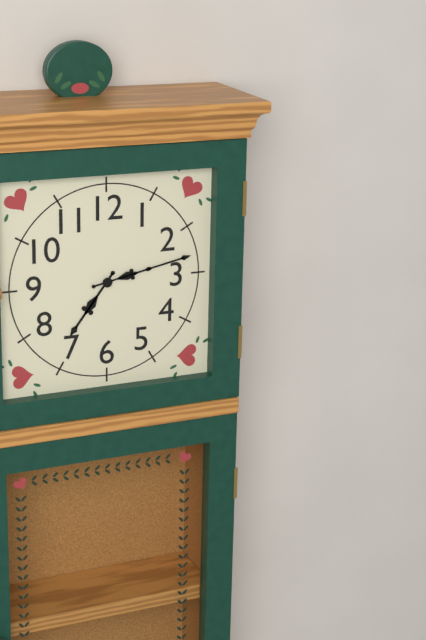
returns {"hour": 7, "minute": 13}
